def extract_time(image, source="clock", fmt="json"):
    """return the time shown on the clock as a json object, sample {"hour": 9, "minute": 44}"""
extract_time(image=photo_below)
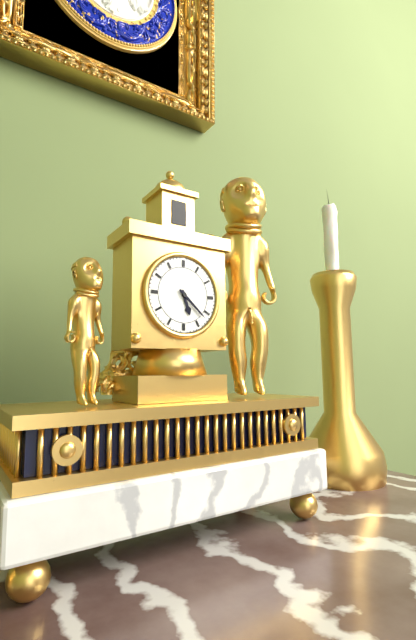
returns {"hour": 5, "minute": 22}
